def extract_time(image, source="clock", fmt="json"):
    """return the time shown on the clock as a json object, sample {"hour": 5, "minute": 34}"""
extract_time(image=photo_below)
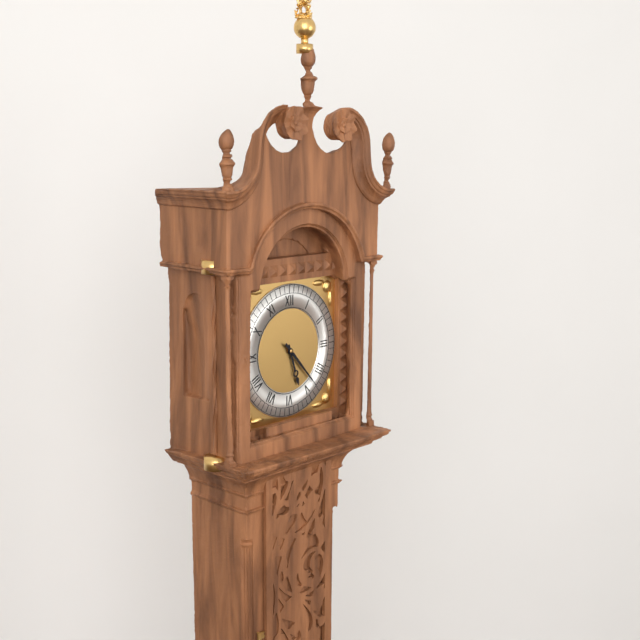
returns {"hour": 5, "minute": 23}
